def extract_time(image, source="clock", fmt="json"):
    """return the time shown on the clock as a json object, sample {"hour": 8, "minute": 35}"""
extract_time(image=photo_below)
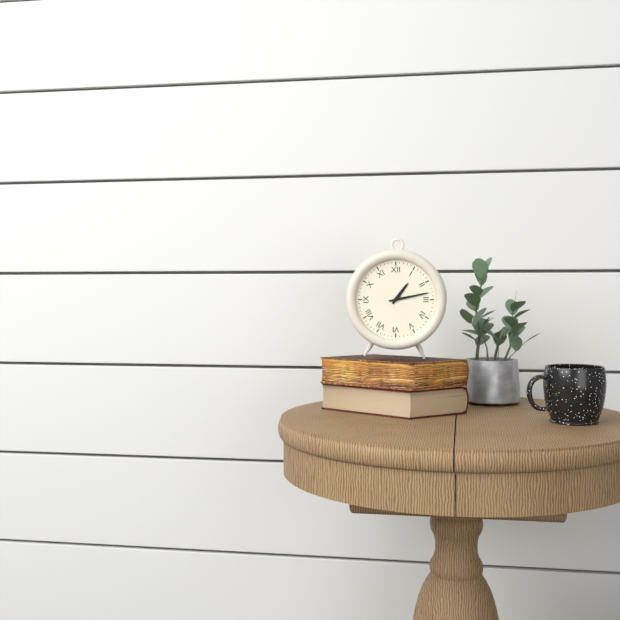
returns {"hour": 1, "minute": 13}
